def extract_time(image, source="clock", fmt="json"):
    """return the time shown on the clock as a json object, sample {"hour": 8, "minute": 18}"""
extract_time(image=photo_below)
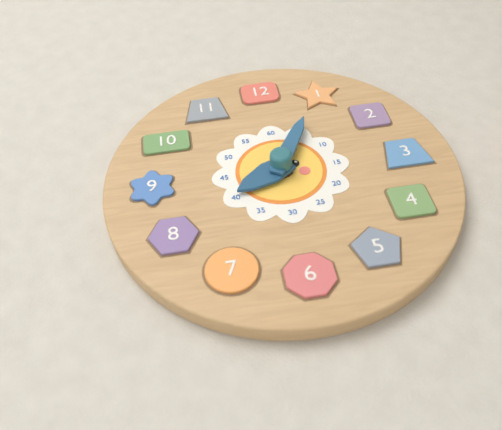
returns {"hour": 8, "minute": 5}
